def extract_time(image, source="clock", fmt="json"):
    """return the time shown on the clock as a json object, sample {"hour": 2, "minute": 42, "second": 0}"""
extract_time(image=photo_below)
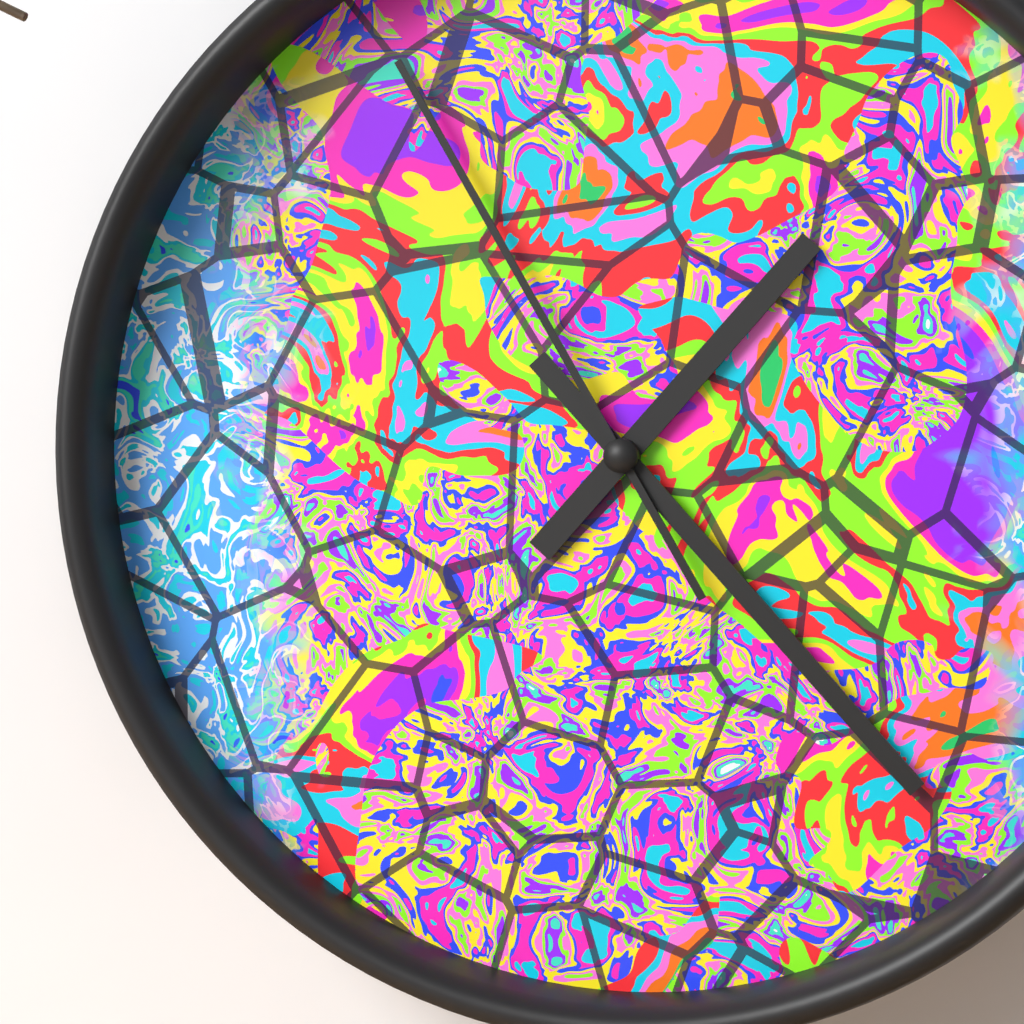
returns {"hour": 1, "minute": 23, "second": 55}
